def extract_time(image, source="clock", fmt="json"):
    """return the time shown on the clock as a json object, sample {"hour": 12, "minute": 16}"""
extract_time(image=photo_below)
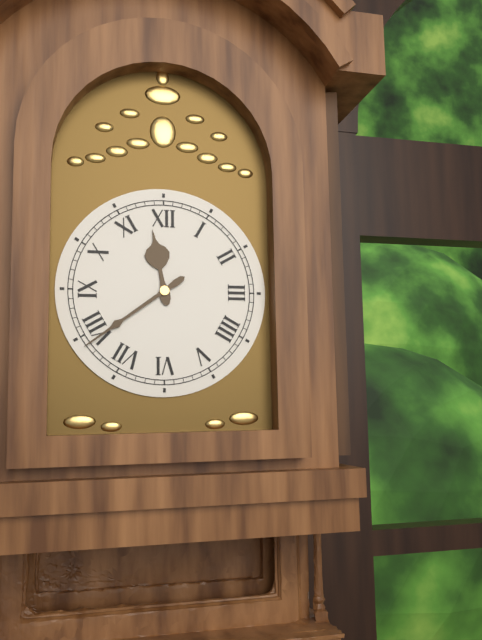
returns {"hour": 11, "minute": 39}
